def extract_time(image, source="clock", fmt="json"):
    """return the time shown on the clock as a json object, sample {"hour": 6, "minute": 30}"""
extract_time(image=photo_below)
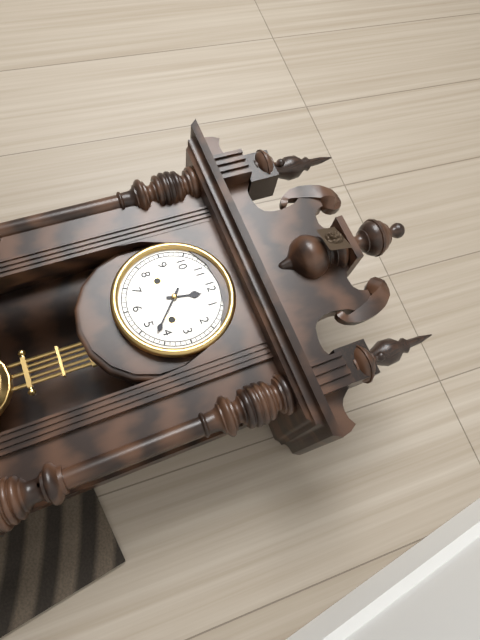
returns {"hour": 12, "minute": 22}
